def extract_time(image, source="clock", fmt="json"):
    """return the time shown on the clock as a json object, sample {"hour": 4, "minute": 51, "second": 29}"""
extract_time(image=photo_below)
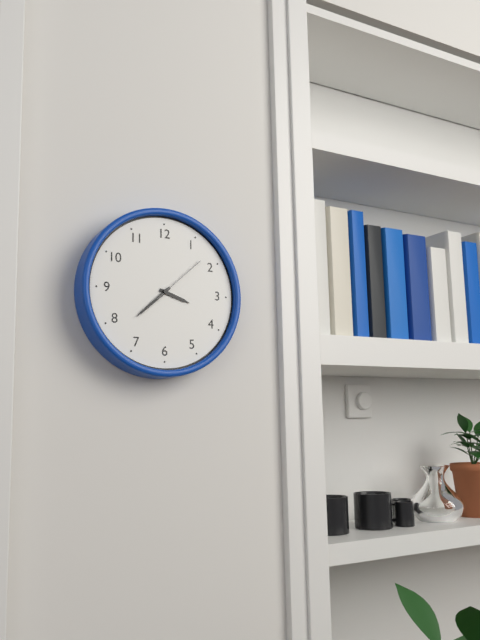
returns {"hour": 3, "minute": 38, "second": 8}
